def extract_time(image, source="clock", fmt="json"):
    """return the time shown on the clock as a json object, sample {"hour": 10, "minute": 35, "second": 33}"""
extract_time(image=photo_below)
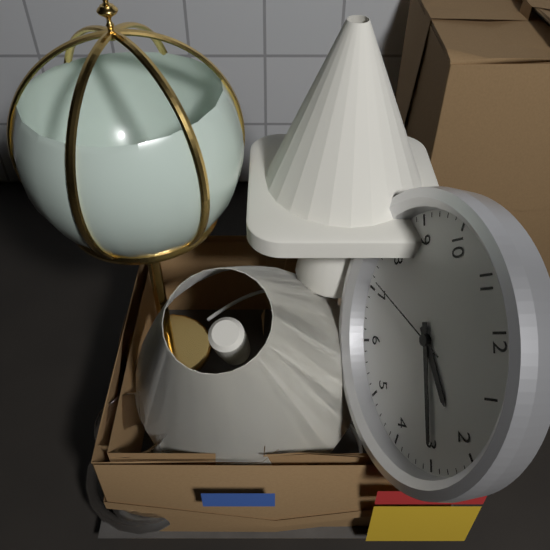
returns {"hour": 2, "minute": 15, "second": 36}
